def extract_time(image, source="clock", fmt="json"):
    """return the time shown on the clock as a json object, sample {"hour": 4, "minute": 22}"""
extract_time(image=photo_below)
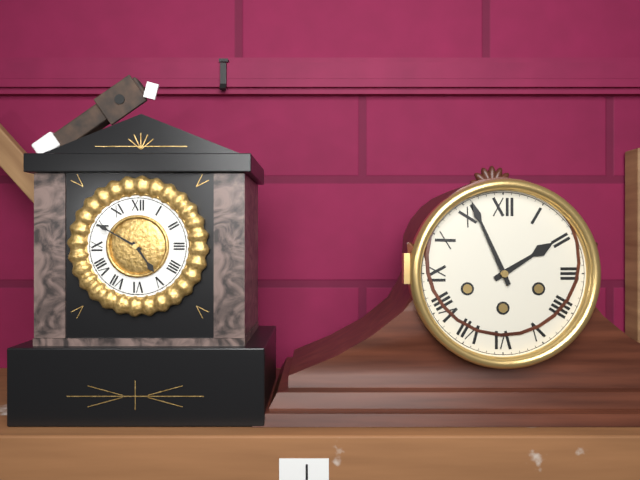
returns {"hour": 1, "minute": 56}
